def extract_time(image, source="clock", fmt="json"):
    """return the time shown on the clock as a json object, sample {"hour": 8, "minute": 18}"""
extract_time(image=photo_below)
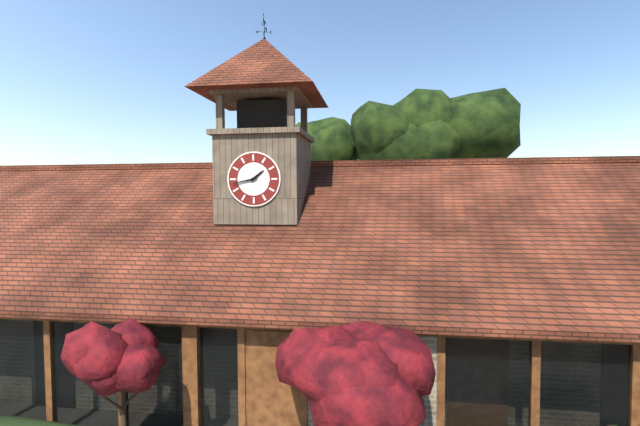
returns {"hour": 1, "minute": 43}
